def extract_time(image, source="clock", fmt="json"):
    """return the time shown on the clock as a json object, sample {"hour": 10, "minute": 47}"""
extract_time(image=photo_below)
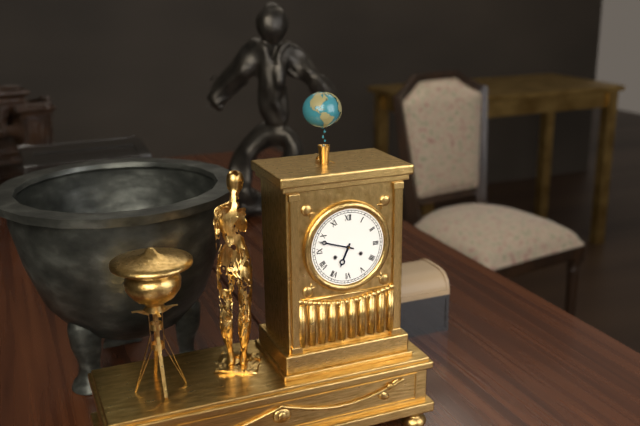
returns {"hour": 6, "minute": 48}
